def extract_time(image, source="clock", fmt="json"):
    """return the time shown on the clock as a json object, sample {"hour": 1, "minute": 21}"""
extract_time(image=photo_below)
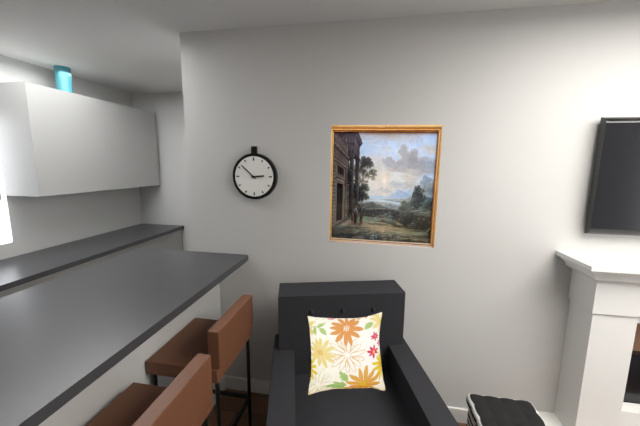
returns {"hour": 2, "minute": 52}
